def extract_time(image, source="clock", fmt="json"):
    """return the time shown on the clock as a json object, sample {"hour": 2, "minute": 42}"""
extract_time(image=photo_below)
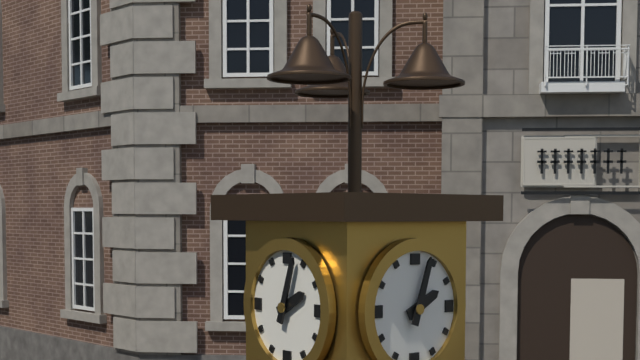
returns {"hour": 2, "minute": 3}
